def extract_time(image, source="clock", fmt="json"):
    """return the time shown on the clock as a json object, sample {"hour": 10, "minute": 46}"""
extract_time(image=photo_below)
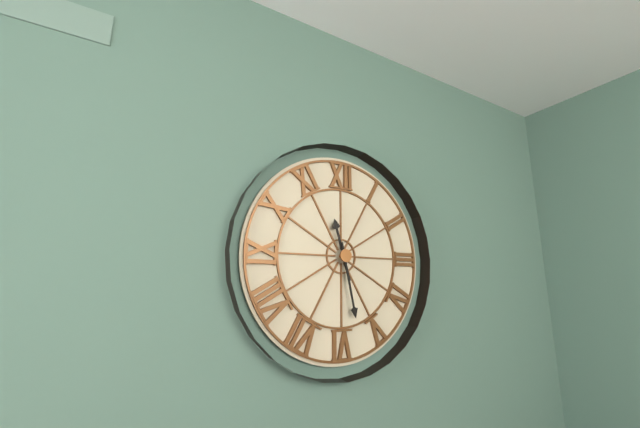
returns {"hour": 11, "minute": 28}
